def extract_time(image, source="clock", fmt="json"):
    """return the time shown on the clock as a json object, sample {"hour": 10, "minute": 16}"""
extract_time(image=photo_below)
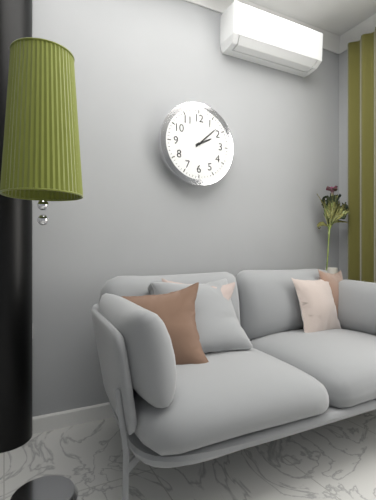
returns {"hour": 2, "minute": 8}
